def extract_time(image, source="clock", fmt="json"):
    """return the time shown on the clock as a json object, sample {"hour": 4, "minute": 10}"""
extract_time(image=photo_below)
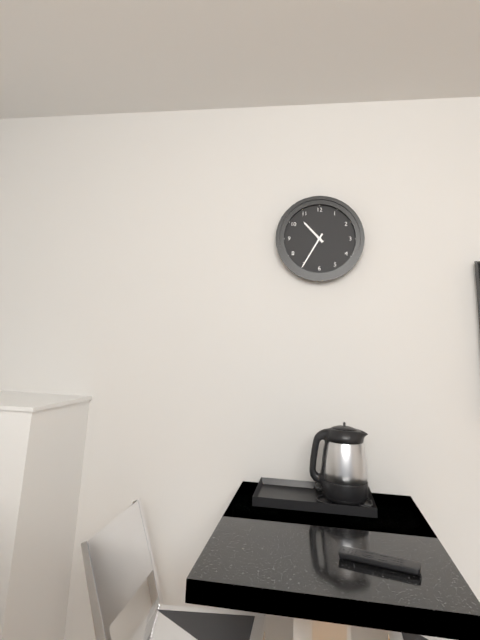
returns {"hour": 10, "minute": 35}
